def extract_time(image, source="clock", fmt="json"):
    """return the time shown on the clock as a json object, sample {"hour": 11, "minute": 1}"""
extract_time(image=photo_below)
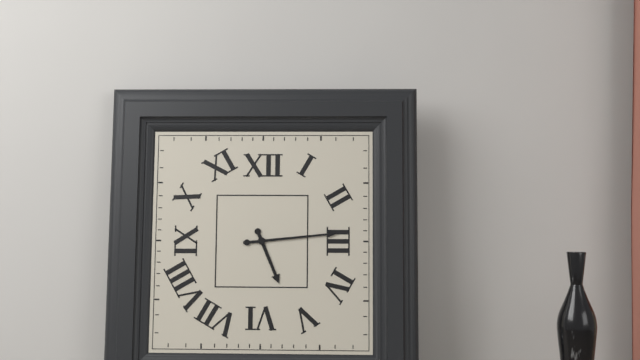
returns {"hour": 5, "minute": 14}
